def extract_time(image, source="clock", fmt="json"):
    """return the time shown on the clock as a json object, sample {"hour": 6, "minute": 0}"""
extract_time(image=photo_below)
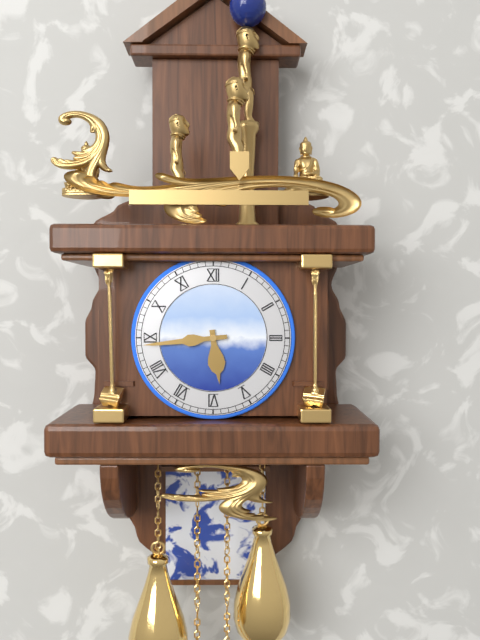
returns {"hour": 5, "minute": 44}
